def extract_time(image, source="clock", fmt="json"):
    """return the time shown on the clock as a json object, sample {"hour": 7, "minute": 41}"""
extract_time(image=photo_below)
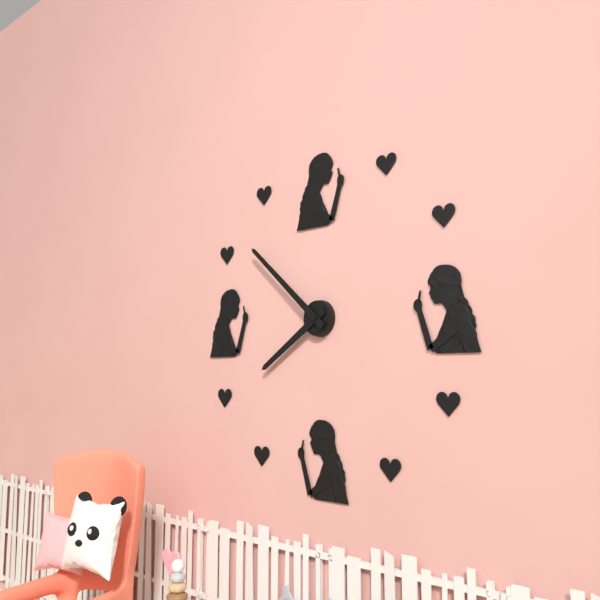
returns {"hour": 7, "minute": 52}
